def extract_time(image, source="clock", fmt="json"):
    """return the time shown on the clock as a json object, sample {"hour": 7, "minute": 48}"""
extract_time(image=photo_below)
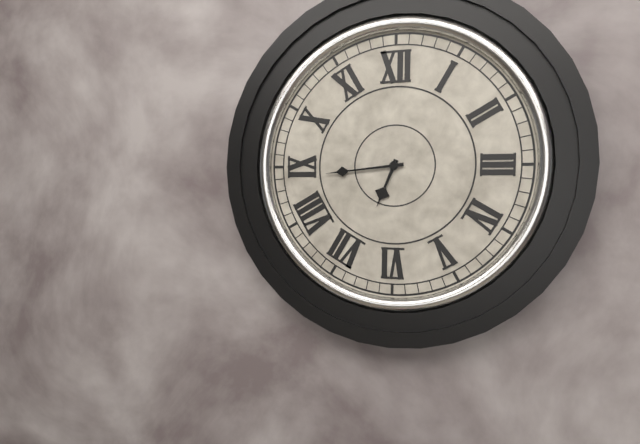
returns {"hour": 6, "minute": 44}
